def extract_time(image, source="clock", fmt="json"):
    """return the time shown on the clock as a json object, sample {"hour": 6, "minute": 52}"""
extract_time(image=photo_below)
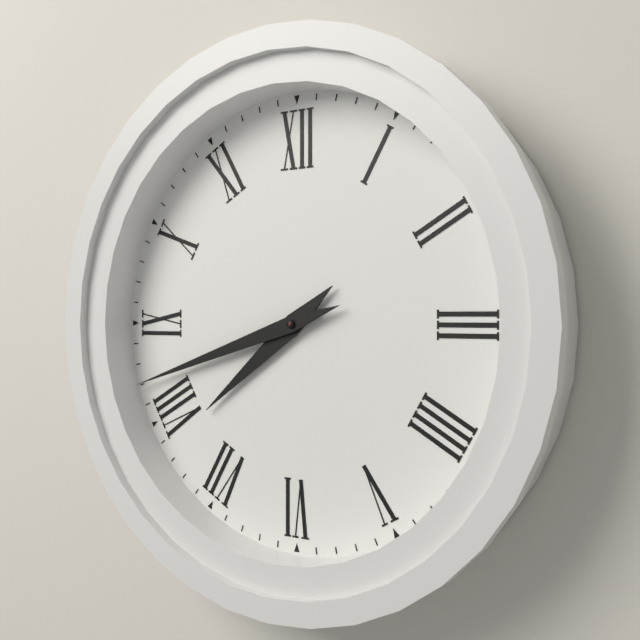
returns {"hour": 7, "minute": 42}
